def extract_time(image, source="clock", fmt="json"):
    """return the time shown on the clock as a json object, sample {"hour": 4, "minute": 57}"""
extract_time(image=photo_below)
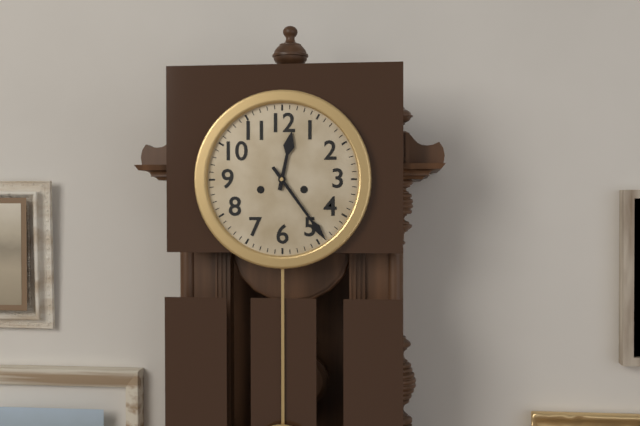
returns {"hour": 12, "minute": 24}
